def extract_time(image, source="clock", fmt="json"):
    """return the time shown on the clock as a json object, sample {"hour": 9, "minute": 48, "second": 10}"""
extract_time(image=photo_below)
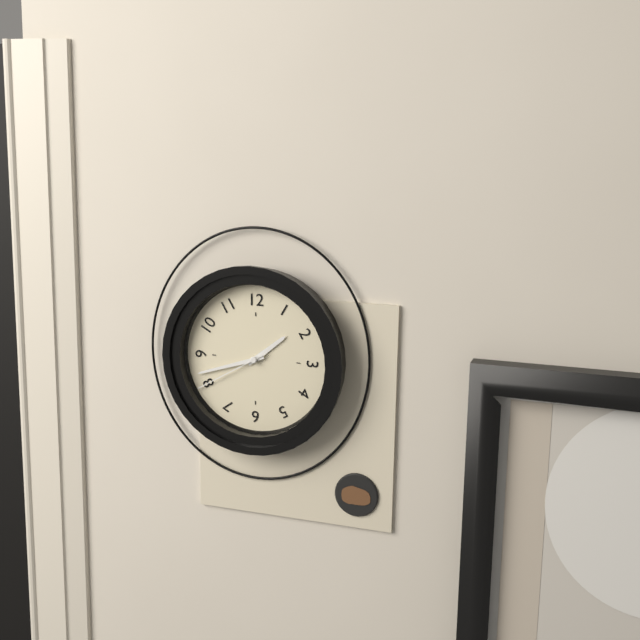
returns {"hour": 1, "minute": 42, "second": 40}
